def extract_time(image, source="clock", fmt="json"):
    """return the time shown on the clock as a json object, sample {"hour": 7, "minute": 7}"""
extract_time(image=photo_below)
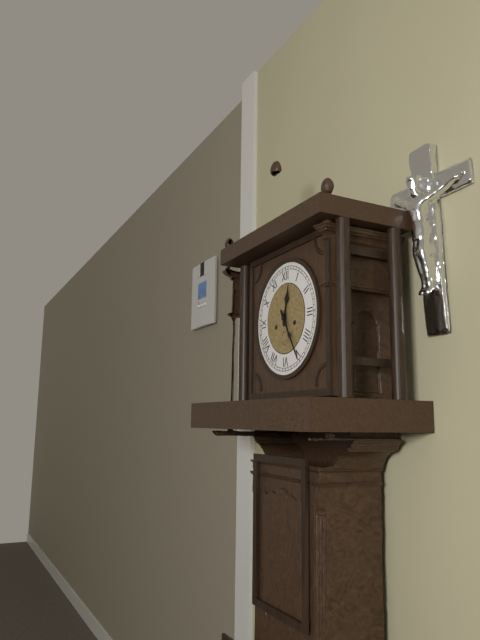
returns {"hour": 12, "minute": 25}
